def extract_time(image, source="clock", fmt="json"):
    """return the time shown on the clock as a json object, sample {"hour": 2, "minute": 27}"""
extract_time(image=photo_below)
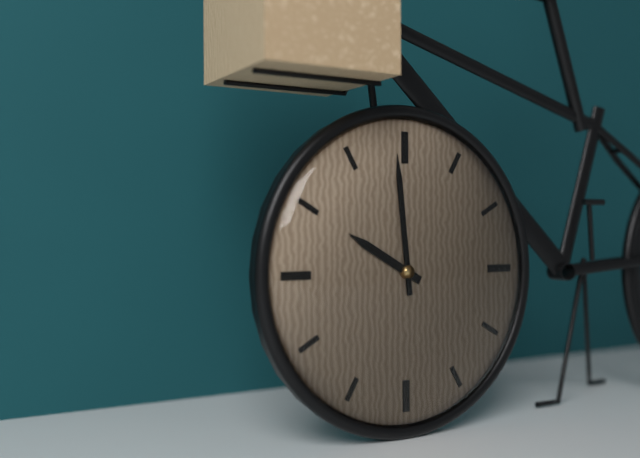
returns {"hour": 9, "minute": 59}
